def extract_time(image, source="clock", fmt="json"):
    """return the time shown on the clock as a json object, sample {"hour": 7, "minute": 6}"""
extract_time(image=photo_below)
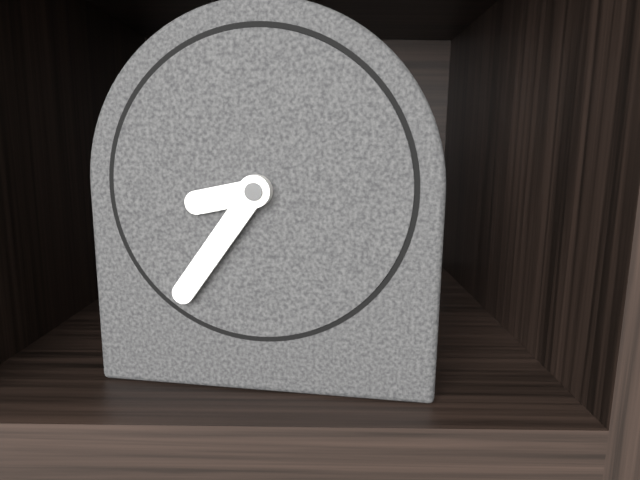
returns {"hour": 8, "minute": 36}
